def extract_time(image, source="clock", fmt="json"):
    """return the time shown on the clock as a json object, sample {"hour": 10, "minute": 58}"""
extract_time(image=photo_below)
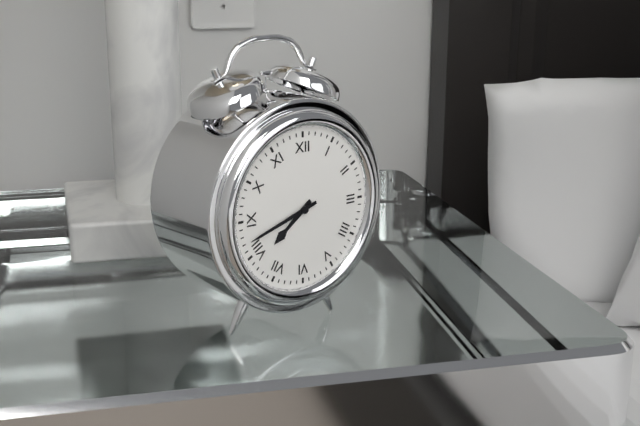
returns {"hour": 7, "minute": 42}
